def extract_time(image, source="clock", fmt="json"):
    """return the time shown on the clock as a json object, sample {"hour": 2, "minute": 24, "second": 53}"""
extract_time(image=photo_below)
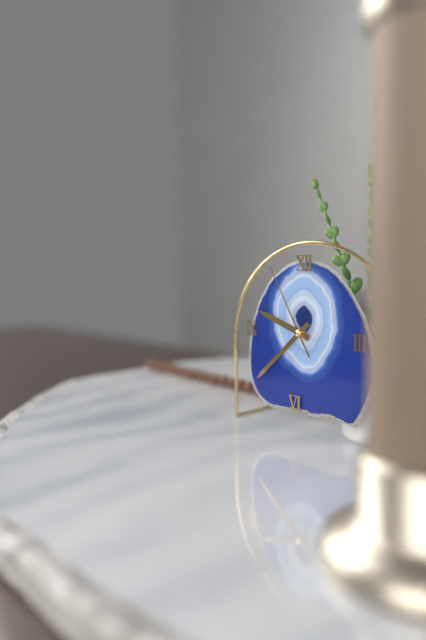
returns {"hour": 9, "minute": 38, "second": 55}
